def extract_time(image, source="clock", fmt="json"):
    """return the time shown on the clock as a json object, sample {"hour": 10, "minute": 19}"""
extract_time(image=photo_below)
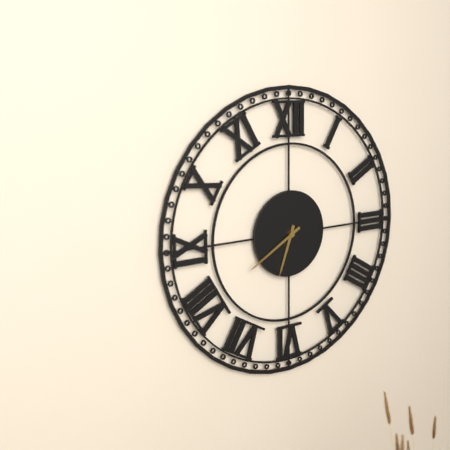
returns {"hour": 6, "minute": 40}
